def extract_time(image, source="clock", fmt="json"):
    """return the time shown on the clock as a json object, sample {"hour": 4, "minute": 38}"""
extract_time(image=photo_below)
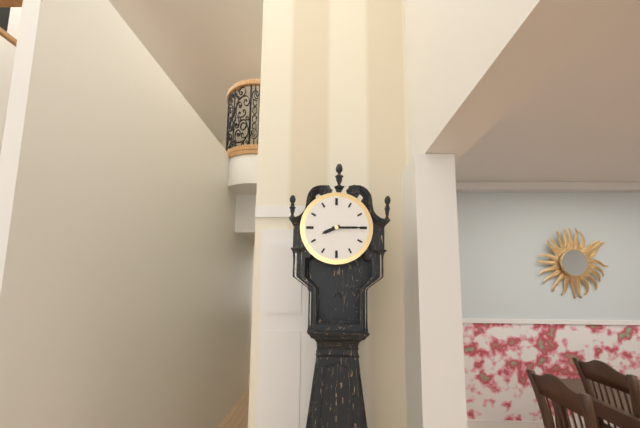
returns {"hour": 8, "minute": 15}
